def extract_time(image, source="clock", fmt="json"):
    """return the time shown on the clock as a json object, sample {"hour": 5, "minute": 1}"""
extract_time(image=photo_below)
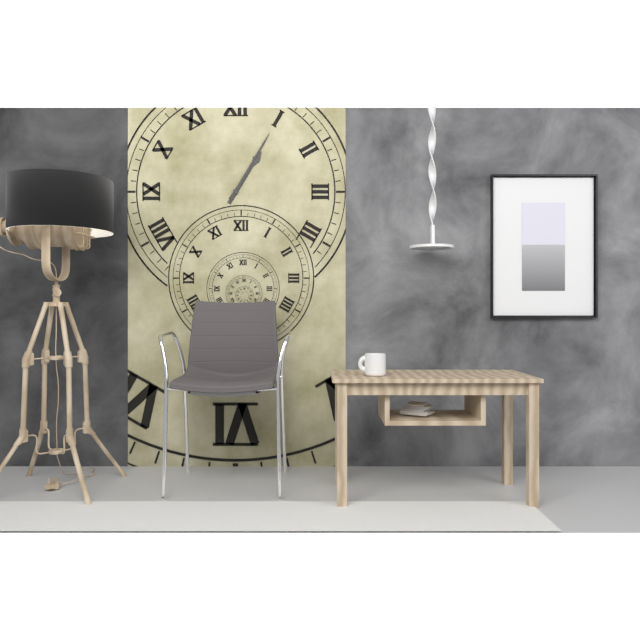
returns {"hour": 1, "minute": 5}
